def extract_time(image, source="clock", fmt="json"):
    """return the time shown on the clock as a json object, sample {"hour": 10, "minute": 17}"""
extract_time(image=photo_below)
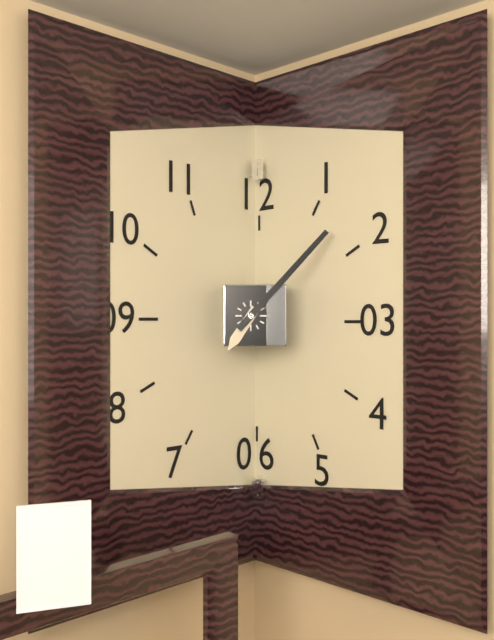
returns {"hour": 7, "minute": 7}
